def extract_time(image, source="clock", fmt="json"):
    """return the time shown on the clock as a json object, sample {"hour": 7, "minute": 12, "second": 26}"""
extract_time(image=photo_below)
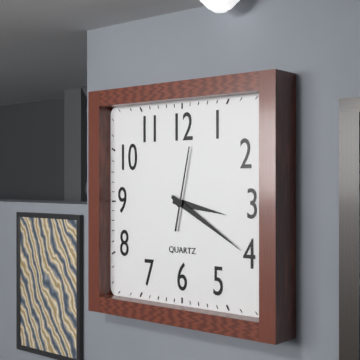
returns {"hour": 3, "minute": 20, "second": 2}
